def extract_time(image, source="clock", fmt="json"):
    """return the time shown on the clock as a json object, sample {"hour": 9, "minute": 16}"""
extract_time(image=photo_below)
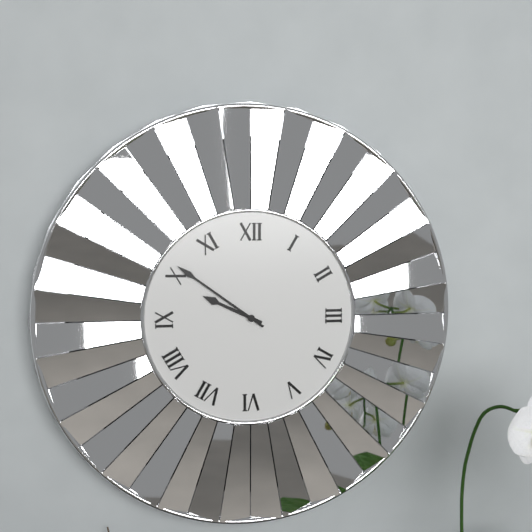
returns {"hour": 9, "minute": 51}
